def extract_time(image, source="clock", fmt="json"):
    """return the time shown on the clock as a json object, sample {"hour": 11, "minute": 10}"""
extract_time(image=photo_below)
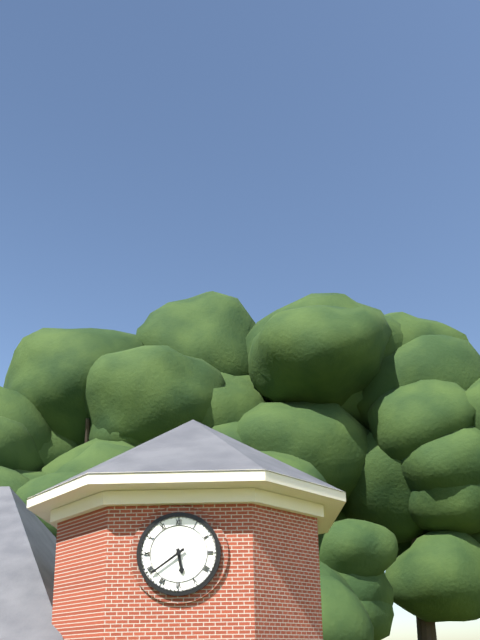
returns {"hour": 5, "minute": 39}
